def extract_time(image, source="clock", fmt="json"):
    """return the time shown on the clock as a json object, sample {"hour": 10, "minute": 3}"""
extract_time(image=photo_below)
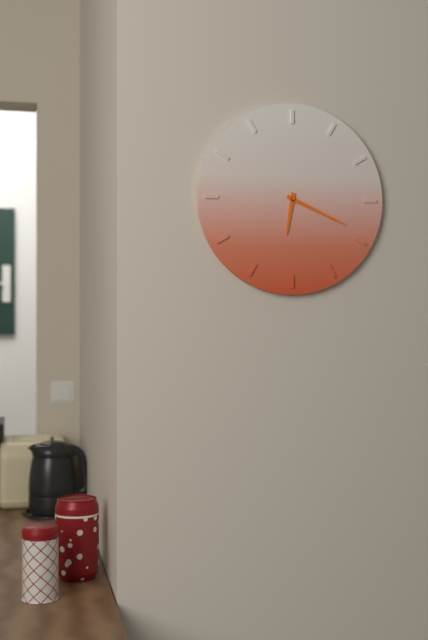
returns {"hour": 6, "minute": 19}
